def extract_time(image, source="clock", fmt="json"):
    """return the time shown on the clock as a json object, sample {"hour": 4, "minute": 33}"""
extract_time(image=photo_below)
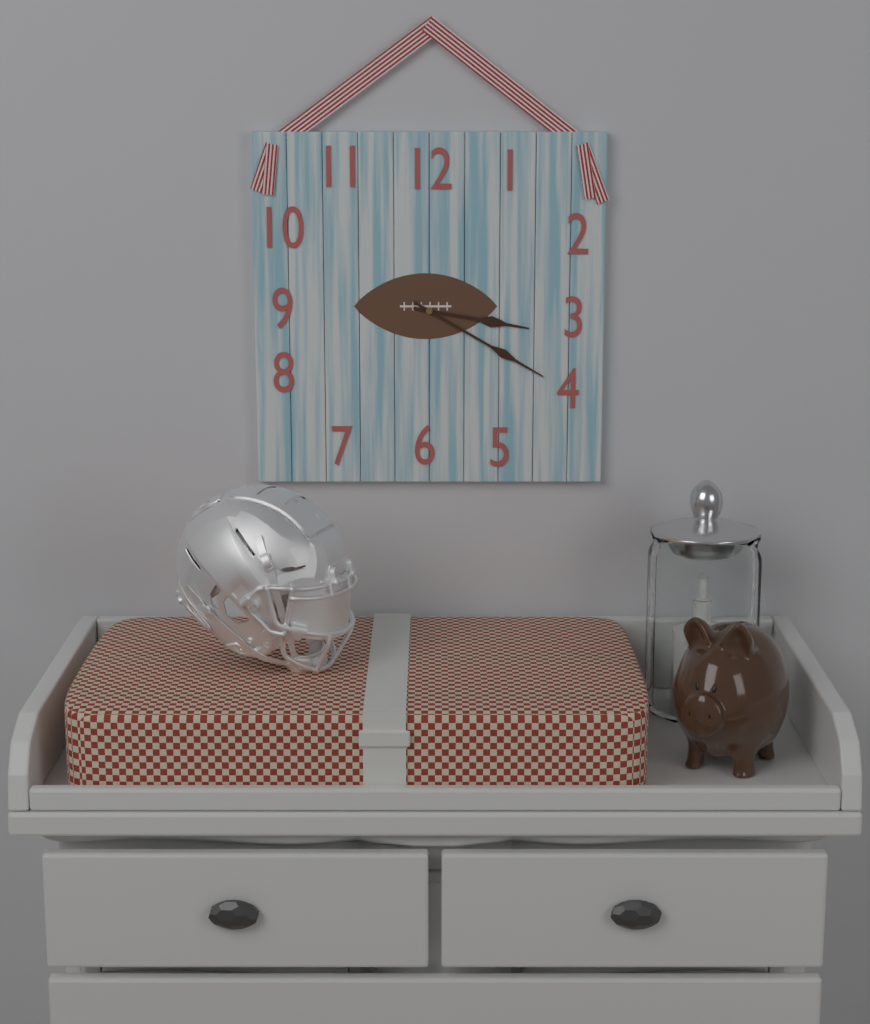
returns {"hour": 3, "minute": 20}
